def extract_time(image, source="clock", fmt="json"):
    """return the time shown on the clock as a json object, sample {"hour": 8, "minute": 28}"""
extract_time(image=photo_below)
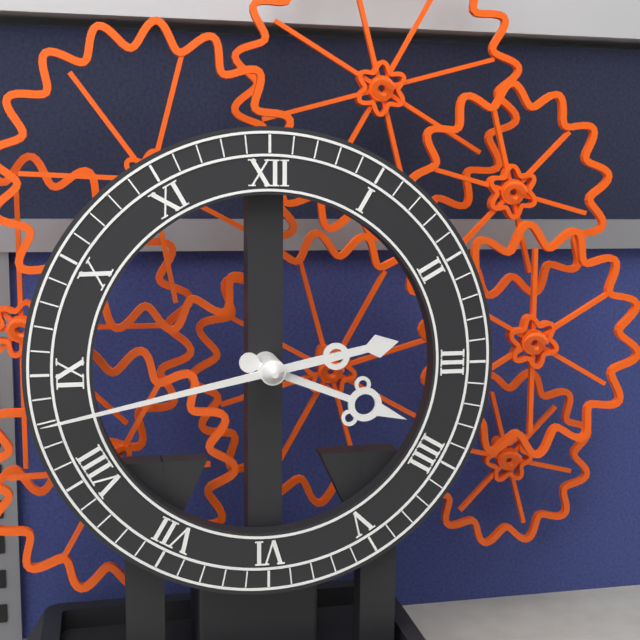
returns {"hour": 3, "minute": 43}
